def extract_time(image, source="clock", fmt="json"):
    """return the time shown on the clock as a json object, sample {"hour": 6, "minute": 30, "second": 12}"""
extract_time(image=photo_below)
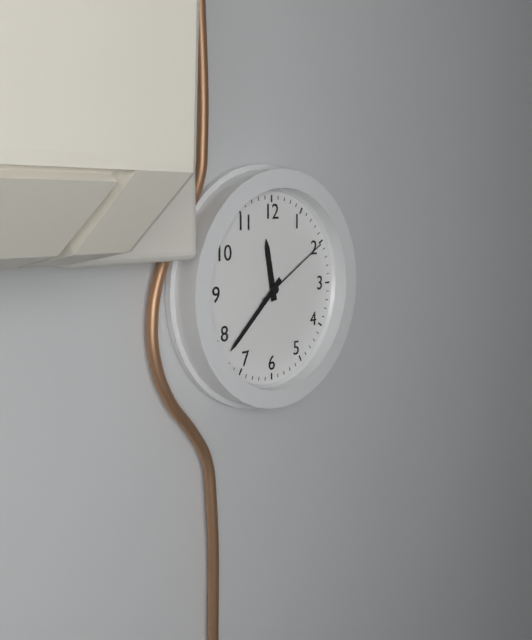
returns {"hour": 11, "minute": 38, "second": 10}
